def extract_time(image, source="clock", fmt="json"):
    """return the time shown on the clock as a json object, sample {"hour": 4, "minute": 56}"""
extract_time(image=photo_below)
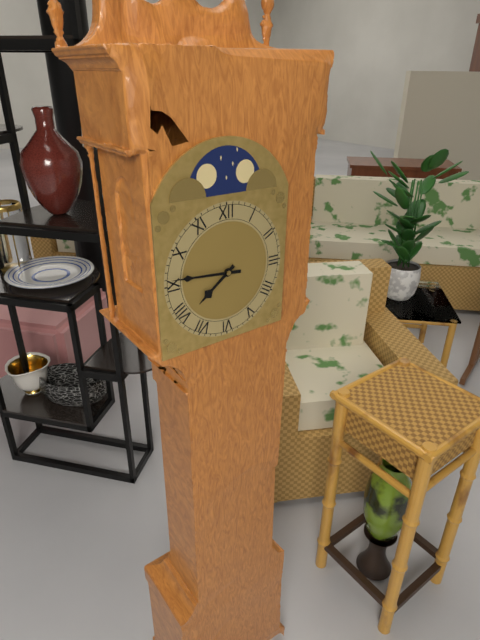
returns {"hour": 7, "minute": 46}
